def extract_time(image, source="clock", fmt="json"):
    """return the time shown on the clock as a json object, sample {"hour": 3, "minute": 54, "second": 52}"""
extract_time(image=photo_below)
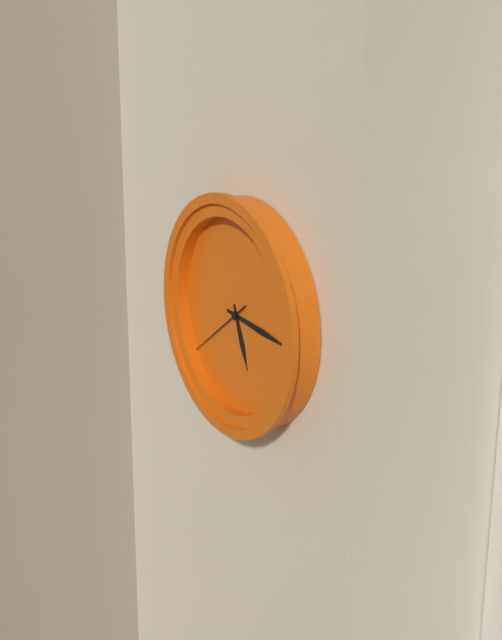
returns {"hour": 5, "minute": 16, "second": 39}
